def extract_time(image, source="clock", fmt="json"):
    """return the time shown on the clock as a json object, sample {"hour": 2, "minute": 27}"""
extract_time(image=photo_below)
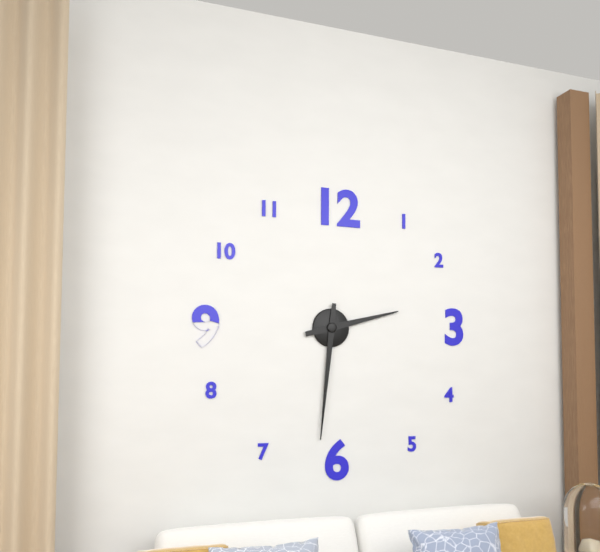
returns {"hour": 2, "minute": 31}
